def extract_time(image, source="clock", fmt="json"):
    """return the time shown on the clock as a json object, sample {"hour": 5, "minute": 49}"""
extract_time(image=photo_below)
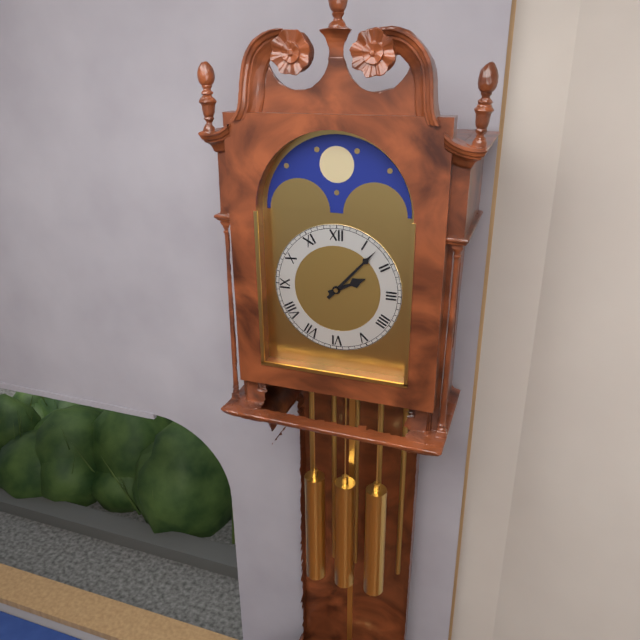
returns {"hour": 2, "minute": 7}
